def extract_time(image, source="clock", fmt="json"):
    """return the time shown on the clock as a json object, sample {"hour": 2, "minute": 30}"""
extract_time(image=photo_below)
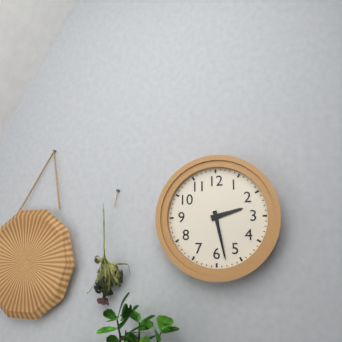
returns {"hour": 2, "minute": 28}
